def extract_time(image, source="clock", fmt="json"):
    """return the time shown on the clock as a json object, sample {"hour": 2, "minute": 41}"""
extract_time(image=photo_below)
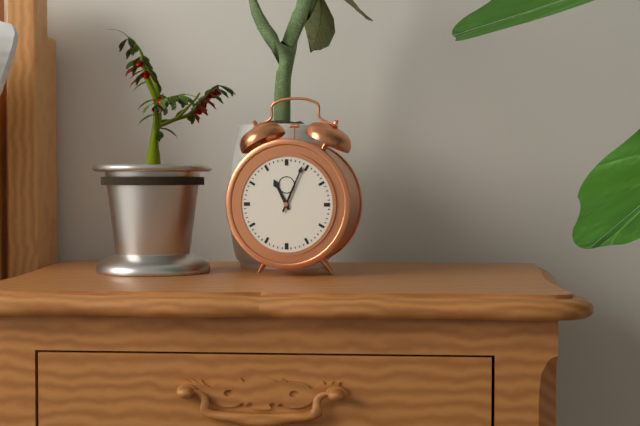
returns {"hour": 11, "minute": 4}
